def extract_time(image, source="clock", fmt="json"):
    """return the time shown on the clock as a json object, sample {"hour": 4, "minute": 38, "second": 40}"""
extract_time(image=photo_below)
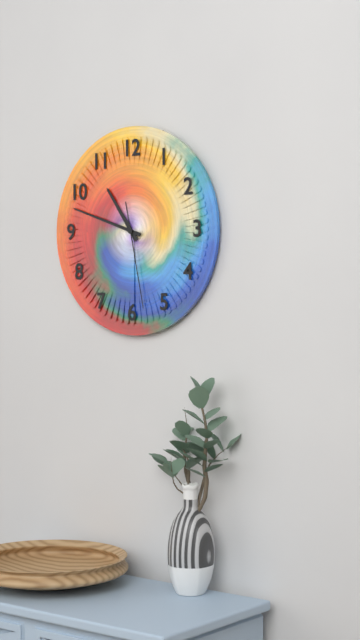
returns {"hour": 10, "minute": 48, "second": 28}
